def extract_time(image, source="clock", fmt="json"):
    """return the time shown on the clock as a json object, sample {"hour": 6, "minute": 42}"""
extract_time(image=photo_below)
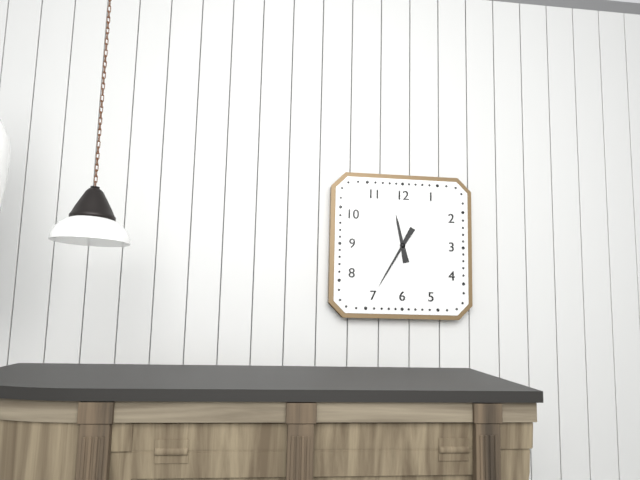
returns {"hour": 11, "minute": 35}
